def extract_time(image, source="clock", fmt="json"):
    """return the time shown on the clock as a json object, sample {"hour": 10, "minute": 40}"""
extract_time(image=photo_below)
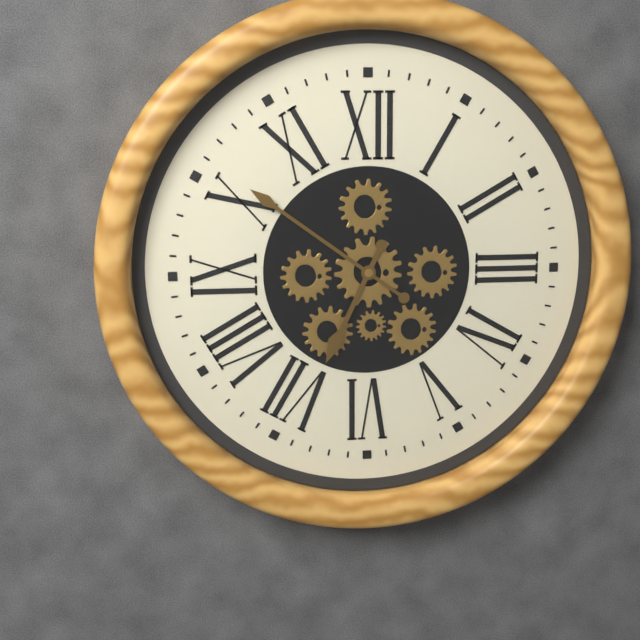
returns {"hour": 6, "minute": 51}
